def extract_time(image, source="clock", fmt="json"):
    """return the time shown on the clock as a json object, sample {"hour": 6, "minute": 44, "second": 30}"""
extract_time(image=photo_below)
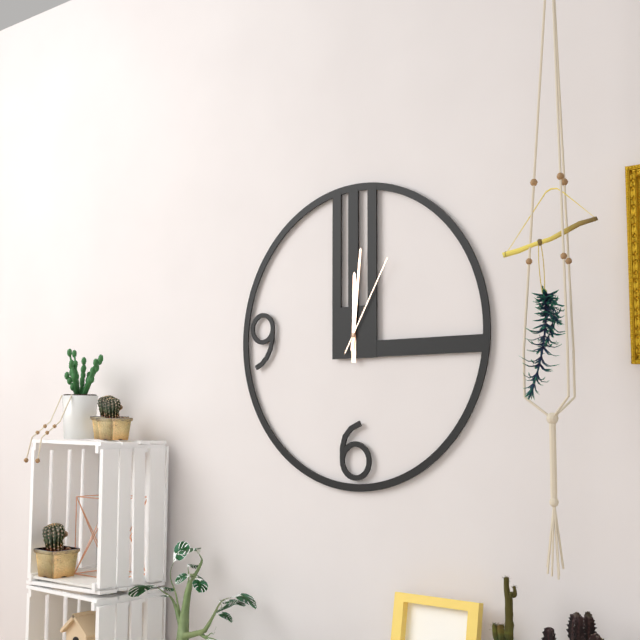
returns {"hour": 12, "minute": 1, "second": 5}
